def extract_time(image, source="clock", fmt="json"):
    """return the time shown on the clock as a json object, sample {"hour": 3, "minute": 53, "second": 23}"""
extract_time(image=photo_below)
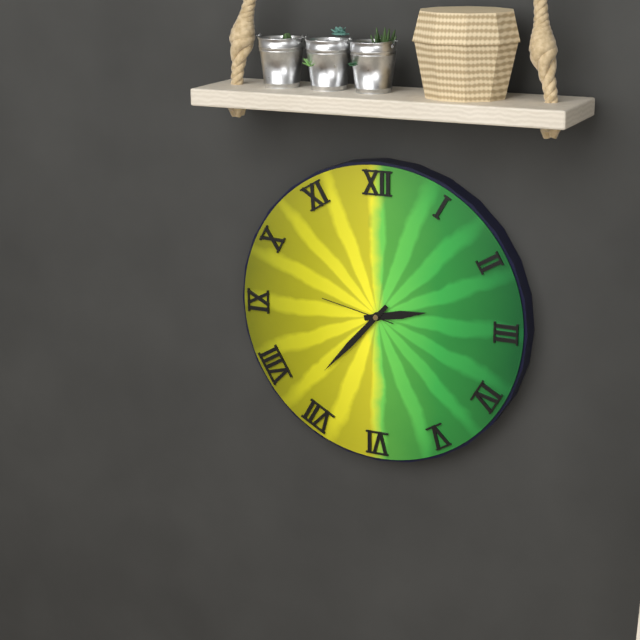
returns {"hour": 2, "minute": 37, "second": 47}
